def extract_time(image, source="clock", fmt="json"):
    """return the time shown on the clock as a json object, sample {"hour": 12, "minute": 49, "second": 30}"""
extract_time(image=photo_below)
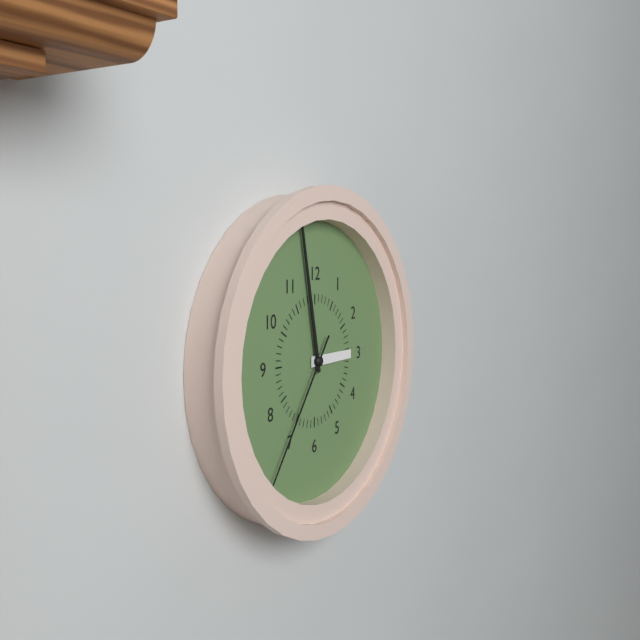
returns {"hour": 2, "minute": 58, "second": 36}
